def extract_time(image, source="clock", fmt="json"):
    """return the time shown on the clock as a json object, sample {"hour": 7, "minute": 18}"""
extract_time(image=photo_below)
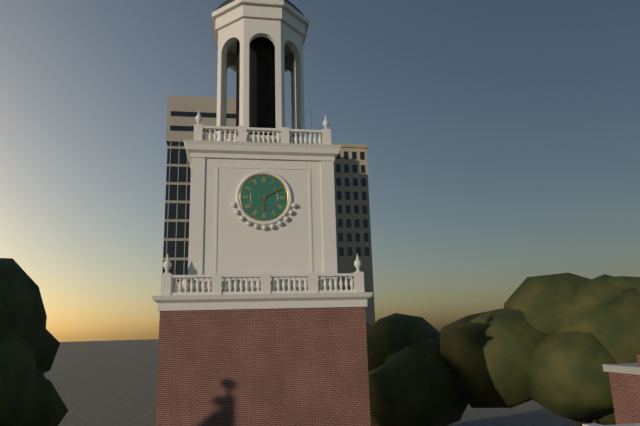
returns {"hour": 6, "minute": 10}
